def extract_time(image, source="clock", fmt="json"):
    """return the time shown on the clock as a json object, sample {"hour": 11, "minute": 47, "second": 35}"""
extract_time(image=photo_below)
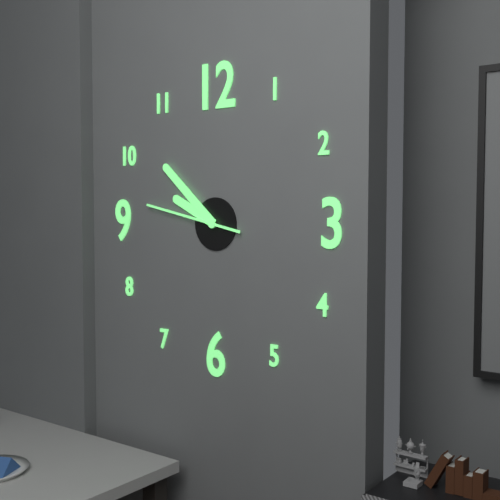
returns {"hour": 9, "minute": 52, "second": 47}
